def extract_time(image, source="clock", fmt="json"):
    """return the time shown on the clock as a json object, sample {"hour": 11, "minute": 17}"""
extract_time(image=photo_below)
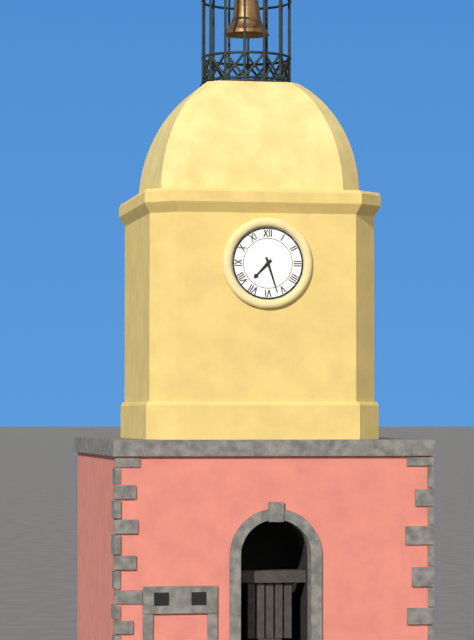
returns {"hour": 7, "minute": 27}
